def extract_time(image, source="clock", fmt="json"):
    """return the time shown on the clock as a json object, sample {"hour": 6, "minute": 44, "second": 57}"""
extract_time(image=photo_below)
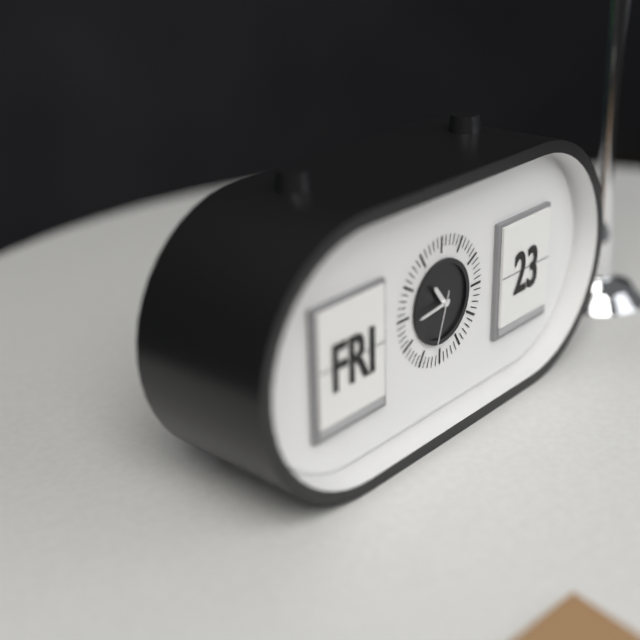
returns {"hour": 10, "minute": 44, "second": 33}
